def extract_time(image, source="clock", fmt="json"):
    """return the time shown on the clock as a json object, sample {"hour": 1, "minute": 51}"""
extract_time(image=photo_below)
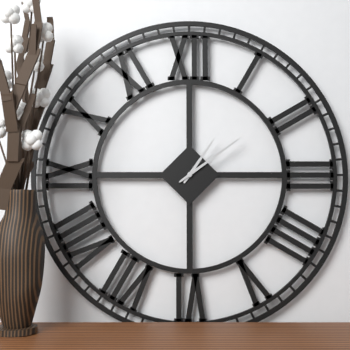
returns {"hour": 1, "minute": 9}
